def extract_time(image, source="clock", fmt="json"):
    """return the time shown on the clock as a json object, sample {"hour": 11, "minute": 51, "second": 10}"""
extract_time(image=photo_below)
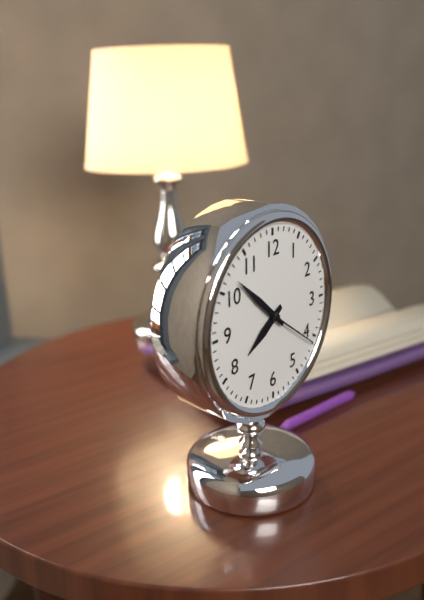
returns {"hour": 7, "minute": 52, "second": 21}
